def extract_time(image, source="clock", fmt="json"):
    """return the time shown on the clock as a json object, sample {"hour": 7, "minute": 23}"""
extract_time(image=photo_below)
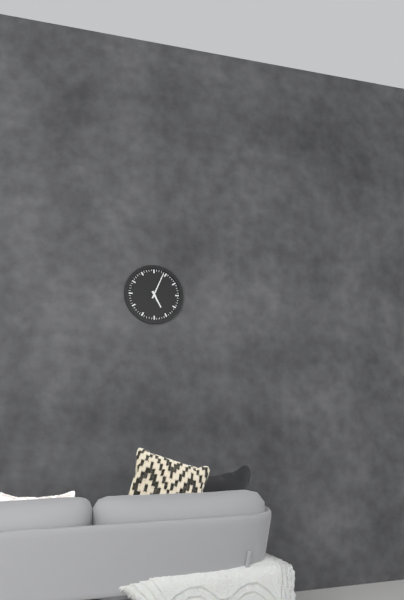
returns {"hour": 5, "minute": 4}
